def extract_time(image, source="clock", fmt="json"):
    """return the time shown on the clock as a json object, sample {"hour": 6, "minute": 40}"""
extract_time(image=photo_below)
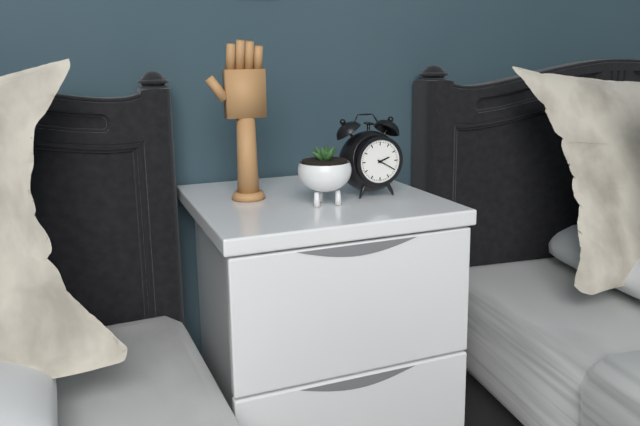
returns {"hour": 2, "minute": 20}
